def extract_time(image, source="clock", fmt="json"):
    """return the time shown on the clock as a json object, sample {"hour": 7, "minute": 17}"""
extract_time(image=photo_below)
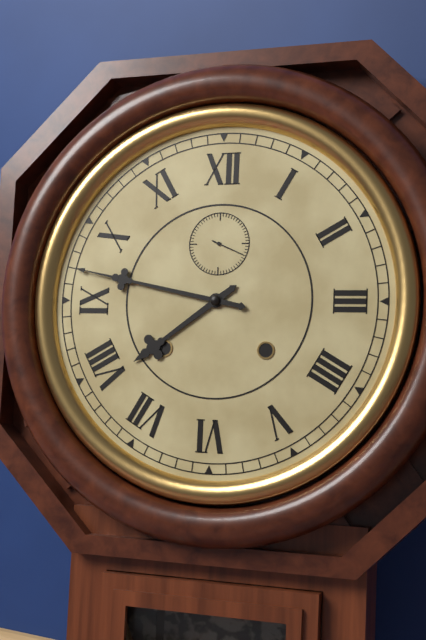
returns {"hour": 7, "minute": 47}
